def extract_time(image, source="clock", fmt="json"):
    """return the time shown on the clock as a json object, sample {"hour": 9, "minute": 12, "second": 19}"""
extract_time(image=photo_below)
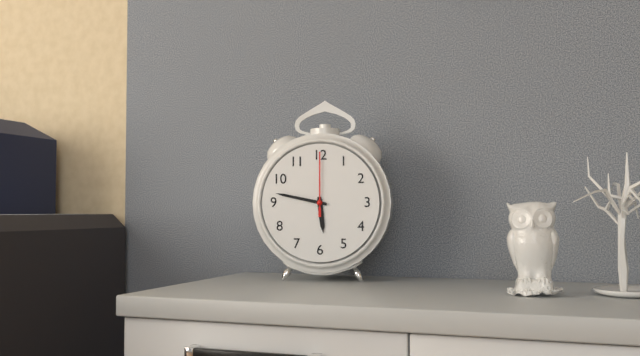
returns {"hour": 5, "minute": 47, "second": 0}
